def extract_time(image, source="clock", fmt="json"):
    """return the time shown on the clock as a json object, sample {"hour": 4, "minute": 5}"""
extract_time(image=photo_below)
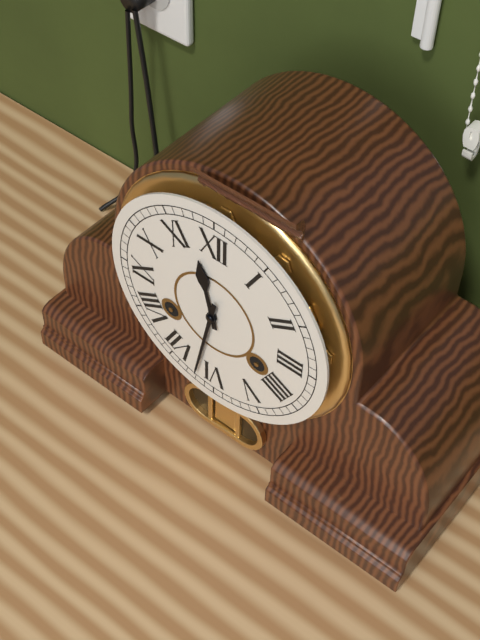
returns {"hour": 11, "minute": 32}
